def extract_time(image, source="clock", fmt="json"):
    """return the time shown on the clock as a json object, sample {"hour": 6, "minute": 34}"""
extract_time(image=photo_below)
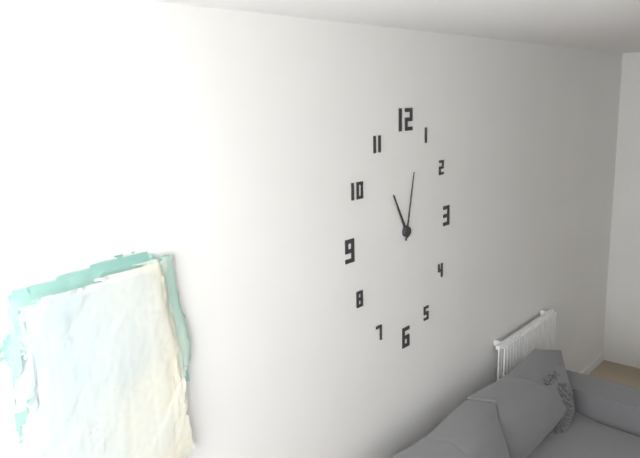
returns {"hour": 11, "minute": 2}
